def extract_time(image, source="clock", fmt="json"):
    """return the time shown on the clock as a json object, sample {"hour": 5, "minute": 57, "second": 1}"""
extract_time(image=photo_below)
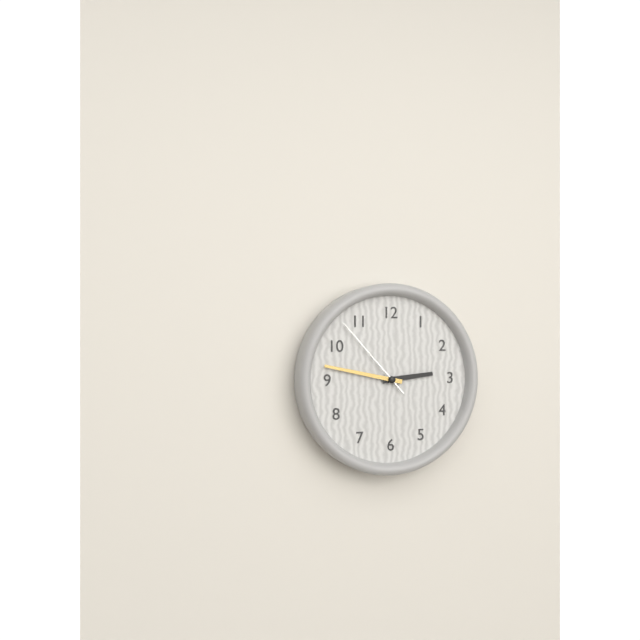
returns {"hour": 2, "minute": 47, "second": 53}
